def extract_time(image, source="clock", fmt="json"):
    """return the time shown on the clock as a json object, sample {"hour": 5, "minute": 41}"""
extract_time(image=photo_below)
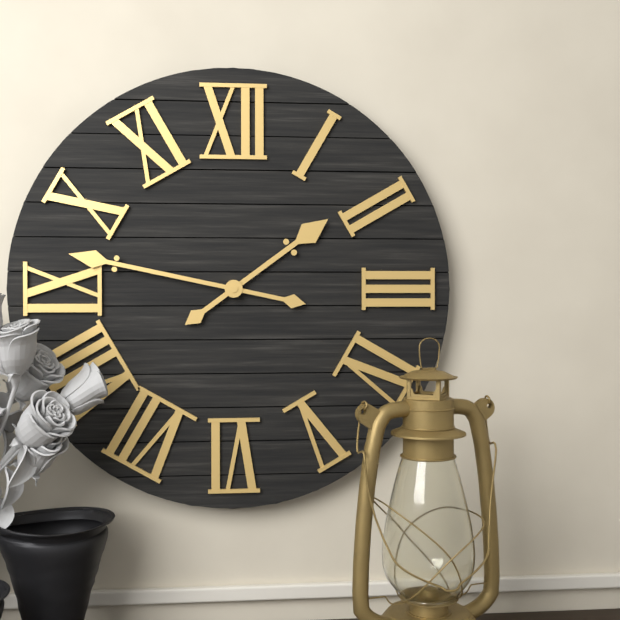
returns {"hour": 1, "minute": 47}
